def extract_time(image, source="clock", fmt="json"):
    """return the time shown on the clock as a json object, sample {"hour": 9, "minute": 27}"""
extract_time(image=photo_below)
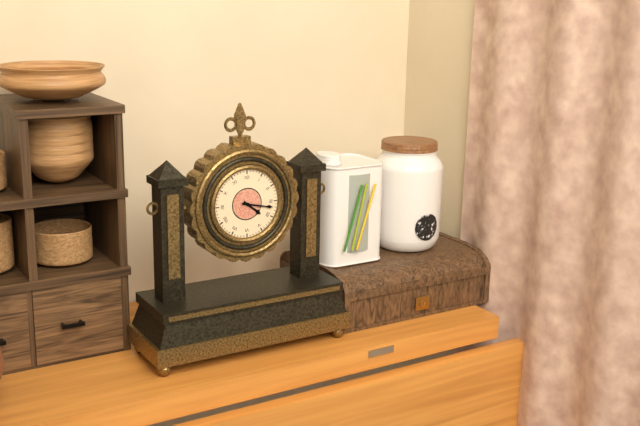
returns {"hour": 4, "minute": 17}
